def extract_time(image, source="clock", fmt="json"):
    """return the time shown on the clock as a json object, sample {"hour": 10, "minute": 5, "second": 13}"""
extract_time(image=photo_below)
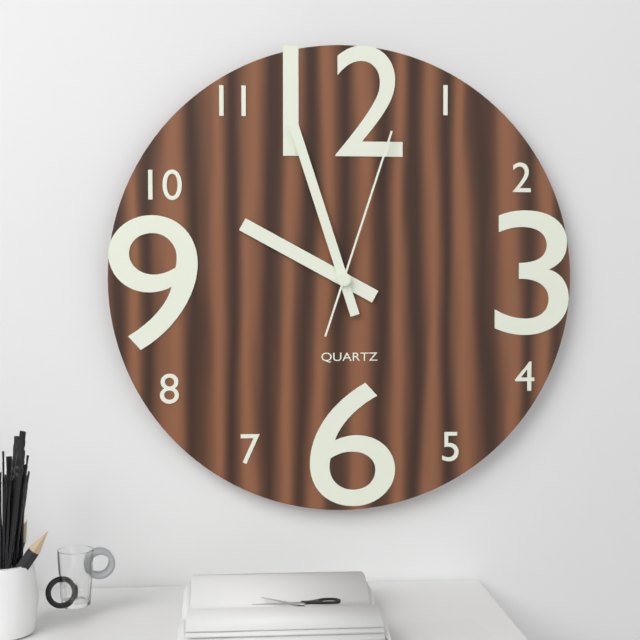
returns {"hour": 9, "minute": 57, "second": 3}
